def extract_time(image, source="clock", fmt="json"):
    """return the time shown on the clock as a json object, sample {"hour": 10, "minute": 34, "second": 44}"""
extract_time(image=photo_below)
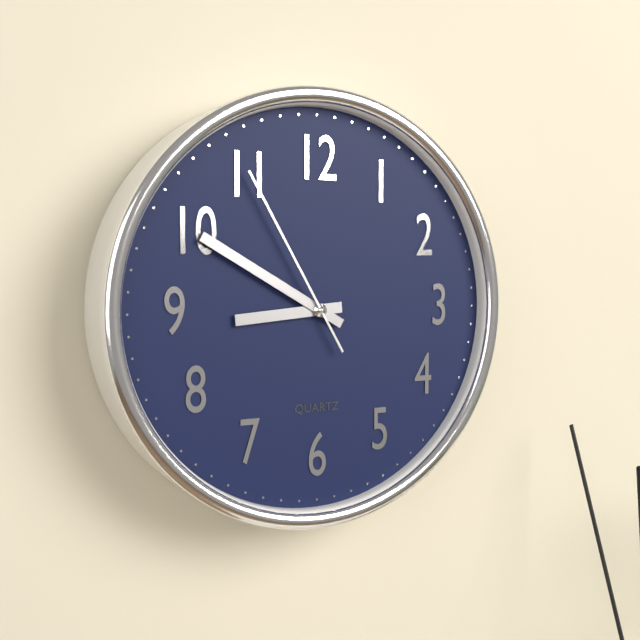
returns {"hour": 8, "minute": 50, "second": 55}
